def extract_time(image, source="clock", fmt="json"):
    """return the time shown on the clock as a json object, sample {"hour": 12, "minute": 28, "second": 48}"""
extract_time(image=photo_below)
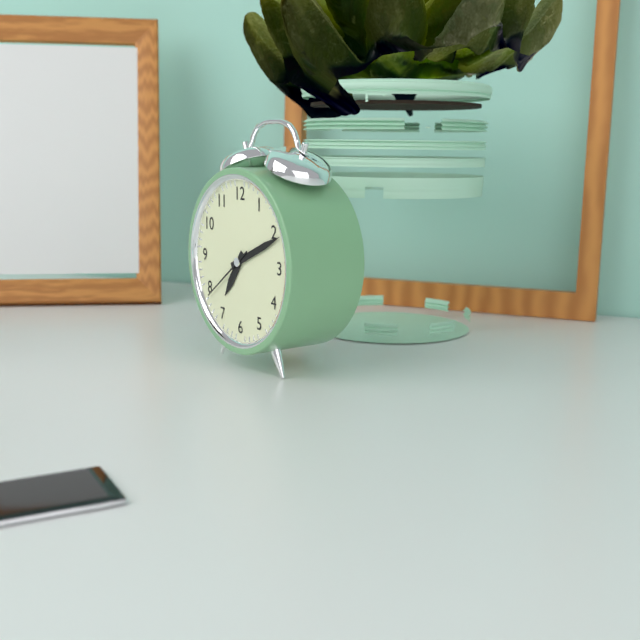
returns {"hour": 7, "minute": 11, "second": 39}
